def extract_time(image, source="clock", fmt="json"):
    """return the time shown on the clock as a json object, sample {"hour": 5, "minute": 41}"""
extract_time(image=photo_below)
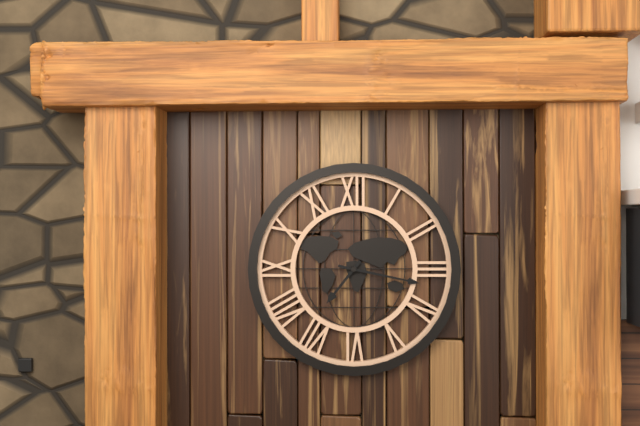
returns {"hour": 7, "minute": 17}
